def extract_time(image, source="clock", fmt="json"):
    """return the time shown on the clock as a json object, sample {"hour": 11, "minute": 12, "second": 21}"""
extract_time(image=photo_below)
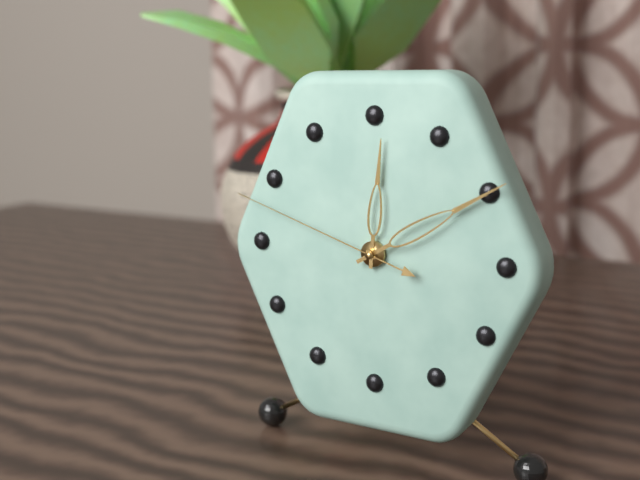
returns {"hour": 12, "minute": 10, "second": 48}
